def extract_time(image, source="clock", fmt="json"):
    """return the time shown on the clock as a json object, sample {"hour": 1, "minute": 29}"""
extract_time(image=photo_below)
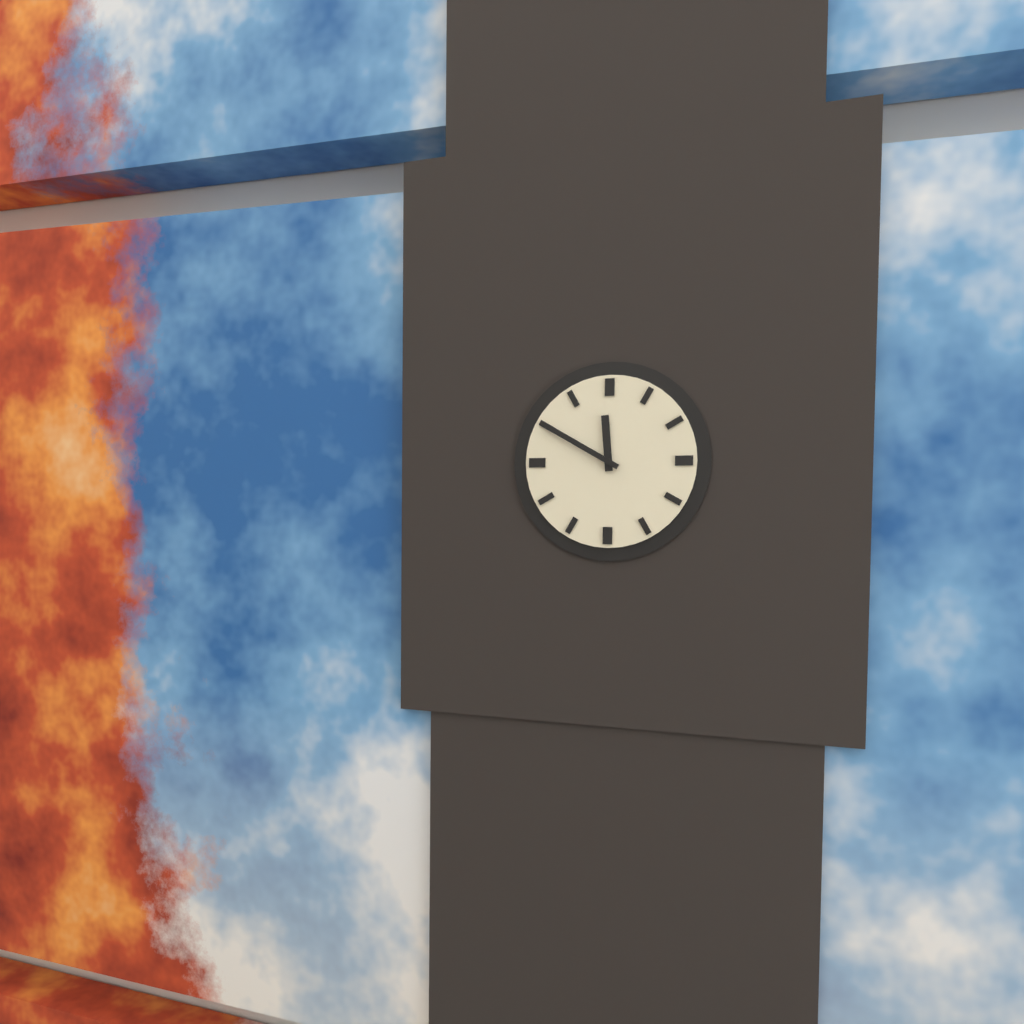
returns {"hour": 11, "minute": 50}
